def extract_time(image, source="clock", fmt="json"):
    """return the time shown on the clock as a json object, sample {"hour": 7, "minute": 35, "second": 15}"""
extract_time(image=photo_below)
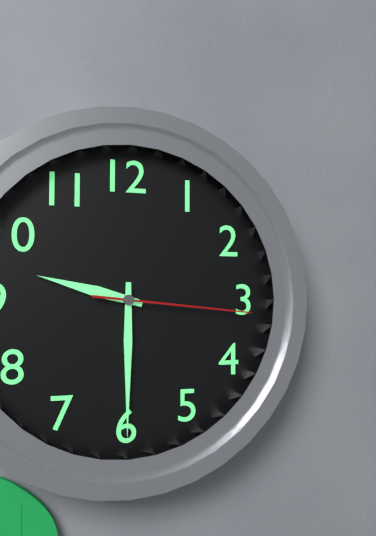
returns {"hour": 9, "minute": 30, "second": 16}
